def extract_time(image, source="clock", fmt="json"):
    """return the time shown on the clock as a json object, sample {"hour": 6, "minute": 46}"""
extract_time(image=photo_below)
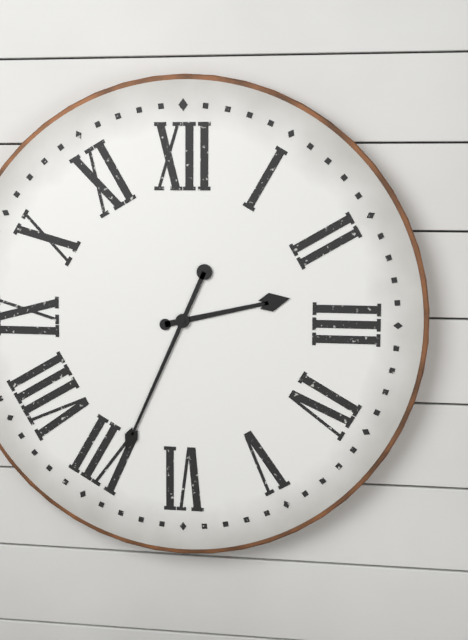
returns {"hour": 2, "minute": 34}
